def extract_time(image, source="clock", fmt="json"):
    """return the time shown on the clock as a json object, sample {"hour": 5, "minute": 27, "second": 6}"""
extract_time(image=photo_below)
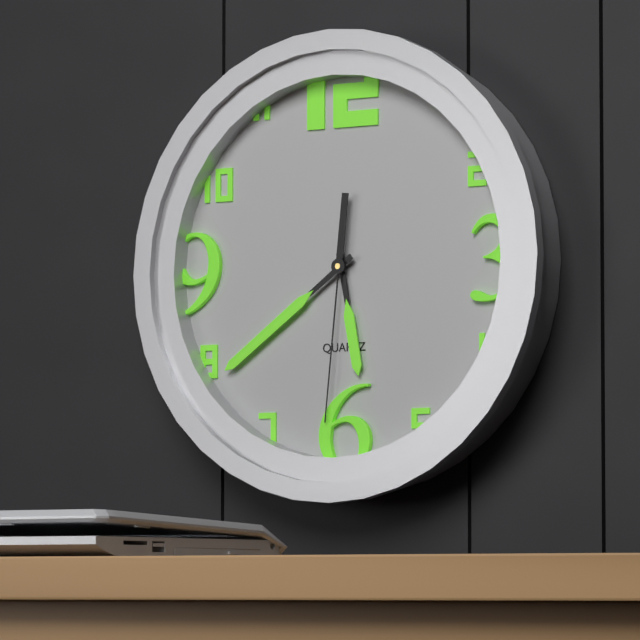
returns {"hour": 5, "minute": 39, "second": 31}
